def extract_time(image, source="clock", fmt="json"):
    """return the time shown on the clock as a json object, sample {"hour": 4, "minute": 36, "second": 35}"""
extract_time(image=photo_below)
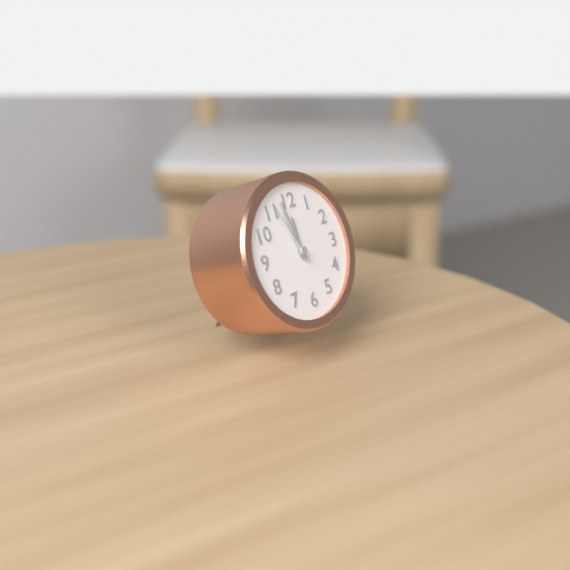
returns {"hour": 11, "minute": 58, "second": 56}
